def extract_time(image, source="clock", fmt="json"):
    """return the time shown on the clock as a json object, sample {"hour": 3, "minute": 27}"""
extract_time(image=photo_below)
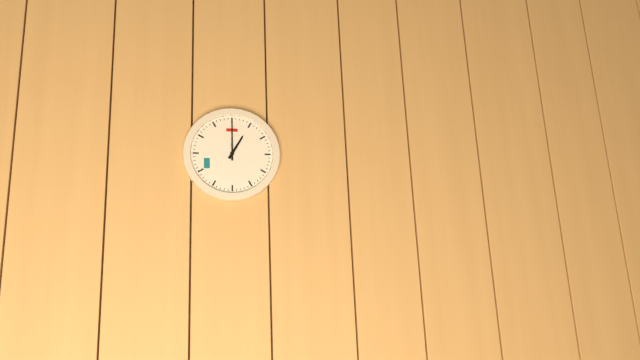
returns {"hour": 1, "minute": 0}
